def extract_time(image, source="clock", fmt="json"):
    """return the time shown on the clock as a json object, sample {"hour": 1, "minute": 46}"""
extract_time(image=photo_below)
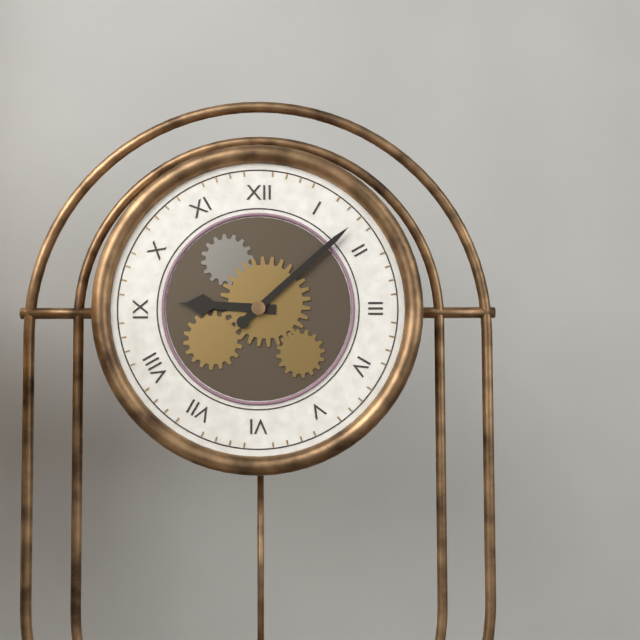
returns {"hour": 9, "minute": 8}
